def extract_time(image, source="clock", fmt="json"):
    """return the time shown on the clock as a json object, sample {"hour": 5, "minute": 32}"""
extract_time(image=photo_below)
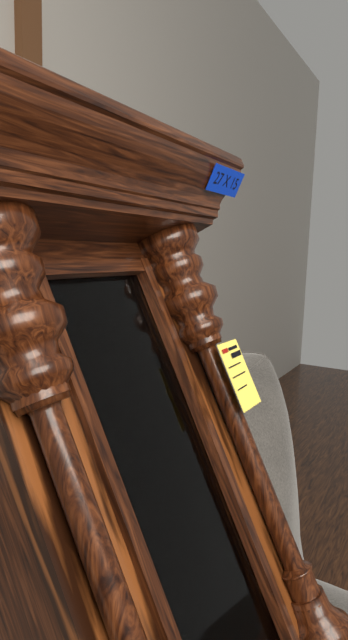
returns {"hour": 10, "minute": 48}
